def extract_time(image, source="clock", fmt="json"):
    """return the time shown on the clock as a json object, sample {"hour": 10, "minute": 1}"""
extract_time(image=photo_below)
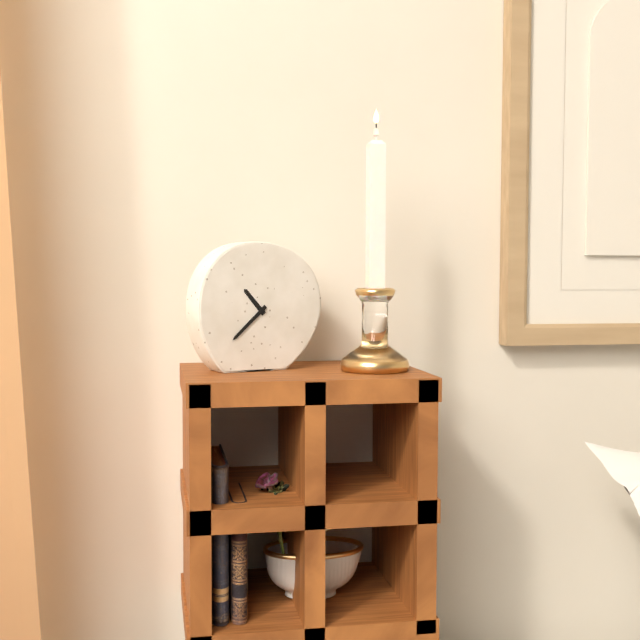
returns {"hour": 10, "minute": 38}
